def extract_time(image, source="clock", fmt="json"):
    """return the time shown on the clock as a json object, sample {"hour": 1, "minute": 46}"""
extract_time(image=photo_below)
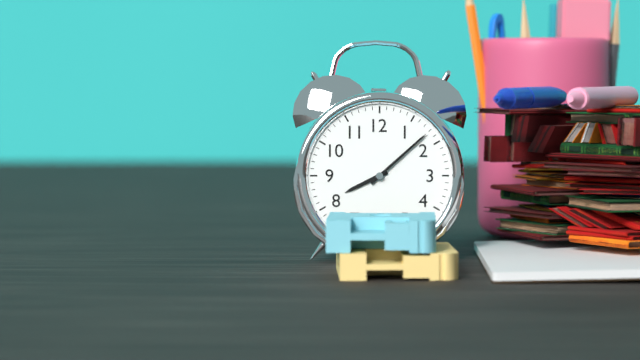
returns {"hour": 8, "minute": 8}
